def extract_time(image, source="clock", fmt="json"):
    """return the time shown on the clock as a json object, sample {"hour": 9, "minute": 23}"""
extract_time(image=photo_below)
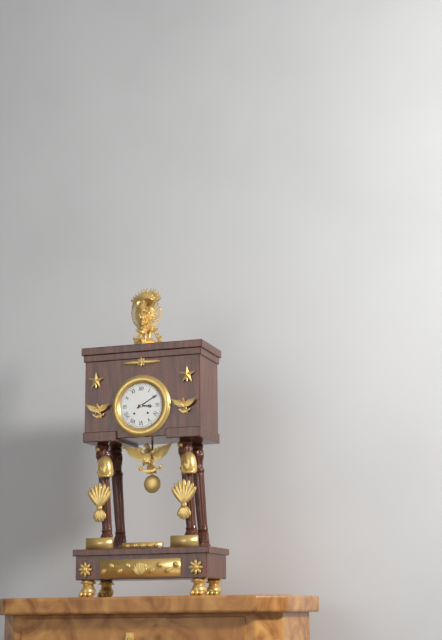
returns {"hour": 3, "minute": 10}
